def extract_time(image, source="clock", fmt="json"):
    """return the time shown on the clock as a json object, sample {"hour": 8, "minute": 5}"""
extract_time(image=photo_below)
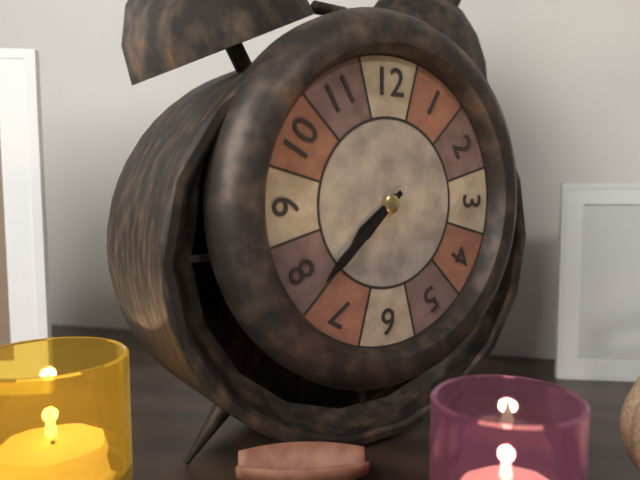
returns {"hour": 7, "minute": 38}
